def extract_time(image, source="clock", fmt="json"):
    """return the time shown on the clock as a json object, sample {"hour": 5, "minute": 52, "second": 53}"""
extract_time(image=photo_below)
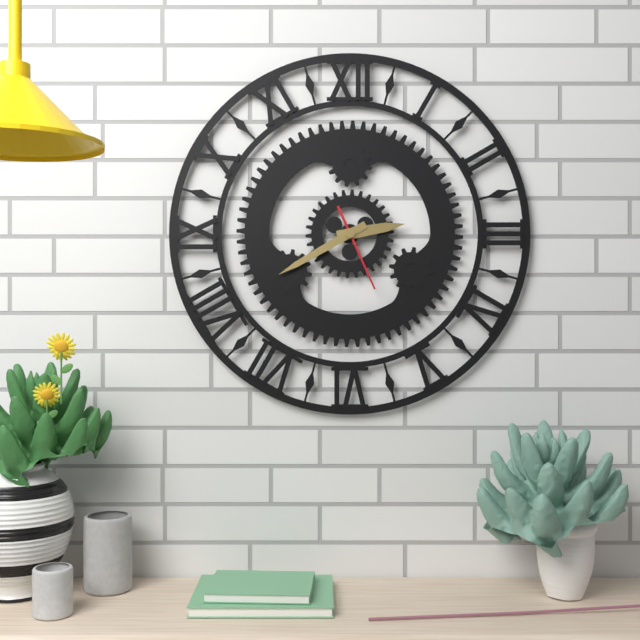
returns {"hour": 2, "minute": 40, "second": 26}
